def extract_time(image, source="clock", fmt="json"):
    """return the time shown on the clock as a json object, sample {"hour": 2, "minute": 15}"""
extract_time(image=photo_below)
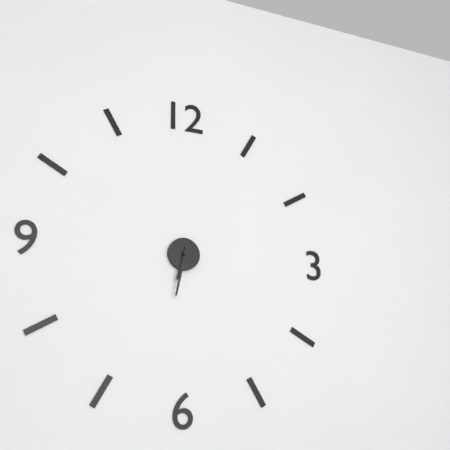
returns {"hour": 6, "minute": 32}
